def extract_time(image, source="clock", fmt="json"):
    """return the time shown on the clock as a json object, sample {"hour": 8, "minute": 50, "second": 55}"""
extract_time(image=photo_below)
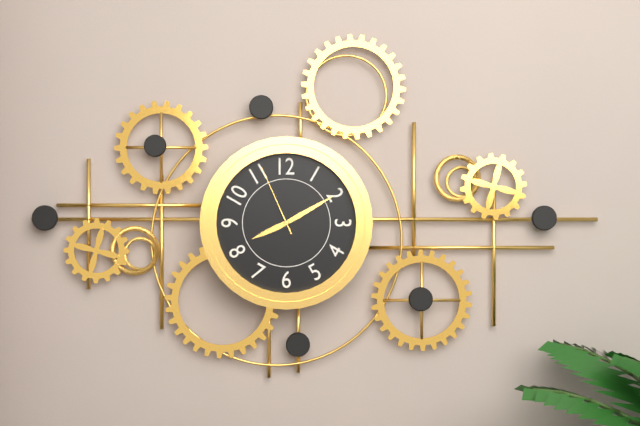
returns {"hour": 8, "minute": 10, "second": 56}
